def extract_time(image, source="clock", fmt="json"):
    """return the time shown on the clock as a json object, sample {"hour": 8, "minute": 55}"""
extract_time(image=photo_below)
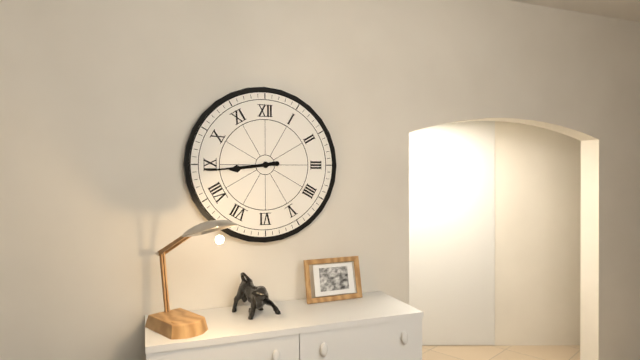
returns {"hour": 8, "minute": 44}
